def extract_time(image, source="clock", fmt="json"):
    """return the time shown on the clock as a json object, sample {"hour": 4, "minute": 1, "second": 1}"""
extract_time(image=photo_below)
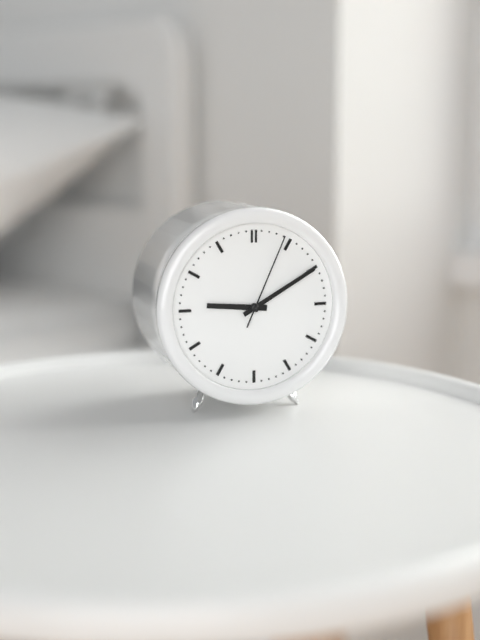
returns {"hour": 9, "minute": 10, "second": 4}
